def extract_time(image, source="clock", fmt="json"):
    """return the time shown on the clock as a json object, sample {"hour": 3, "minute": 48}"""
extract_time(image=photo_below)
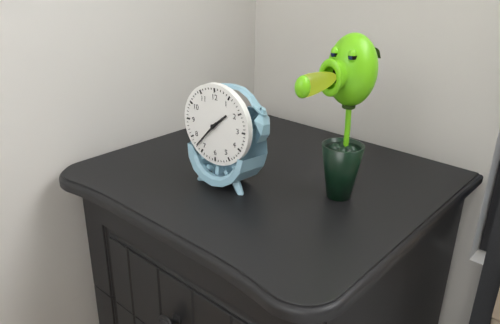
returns {"hour": 1, "minute": 37}
